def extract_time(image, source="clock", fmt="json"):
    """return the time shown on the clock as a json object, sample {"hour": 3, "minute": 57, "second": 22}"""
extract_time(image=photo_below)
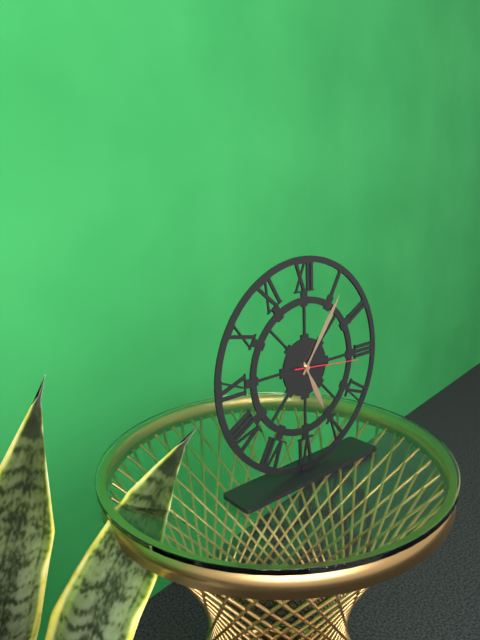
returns {"hour": 5, "minute": 6, "second": 16}
